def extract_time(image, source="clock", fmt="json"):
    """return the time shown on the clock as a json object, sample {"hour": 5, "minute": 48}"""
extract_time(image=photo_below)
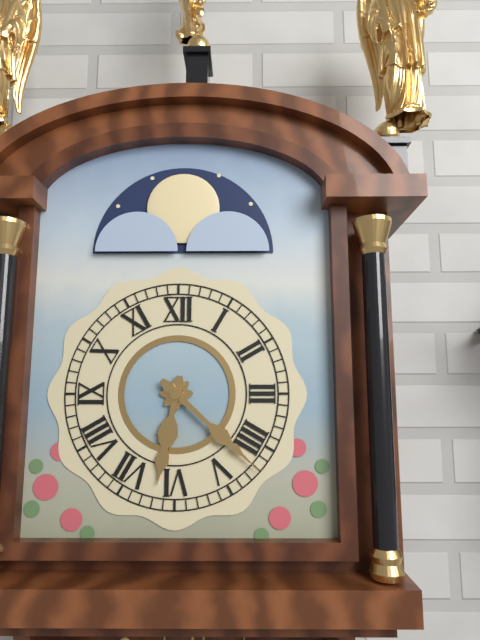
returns {"hour": 6, "minute": 22}
